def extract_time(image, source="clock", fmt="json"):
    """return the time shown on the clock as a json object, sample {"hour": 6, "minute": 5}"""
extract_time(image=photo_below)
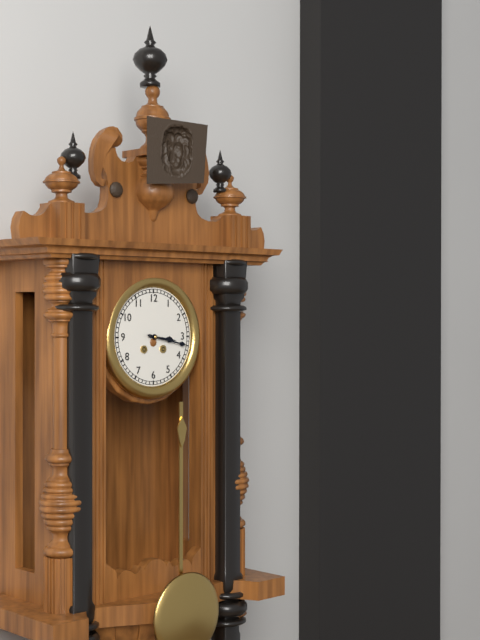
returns {"hour": 3, "minute": 17}
